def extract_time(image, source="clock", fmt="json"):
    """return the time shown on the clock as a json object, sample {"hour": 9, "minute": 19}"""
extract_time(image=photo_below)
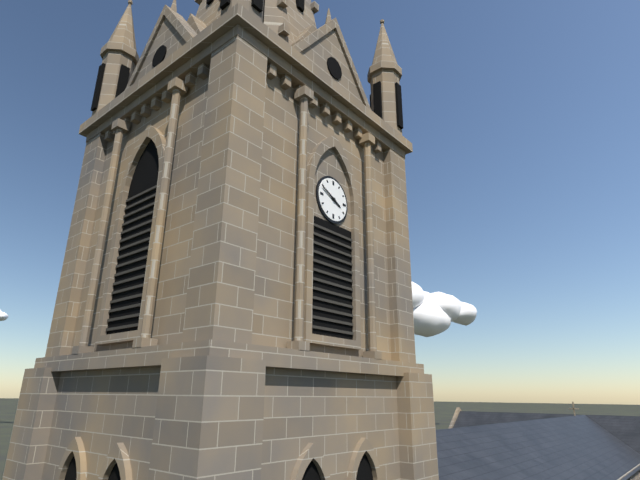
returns {"hour": 3, "minute": 49}
